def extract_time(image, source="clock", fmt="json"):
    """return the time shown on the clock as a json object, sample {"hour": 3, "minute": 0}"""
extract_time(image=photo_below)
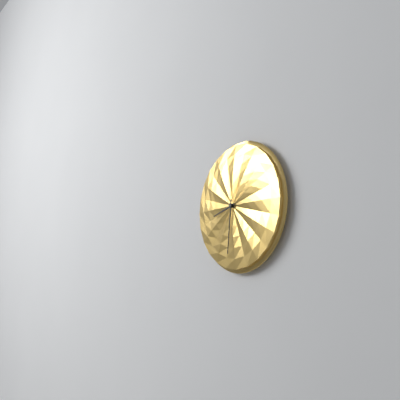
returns {"hour": 8, "minute": 31}
